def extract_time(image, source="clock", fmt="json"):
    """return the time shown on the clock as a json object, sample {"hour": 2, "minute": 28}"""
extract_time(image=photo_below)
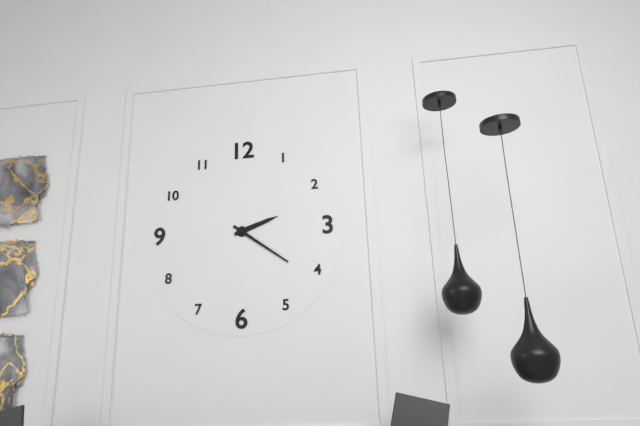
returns {"hour": 2, "minute": 21}
